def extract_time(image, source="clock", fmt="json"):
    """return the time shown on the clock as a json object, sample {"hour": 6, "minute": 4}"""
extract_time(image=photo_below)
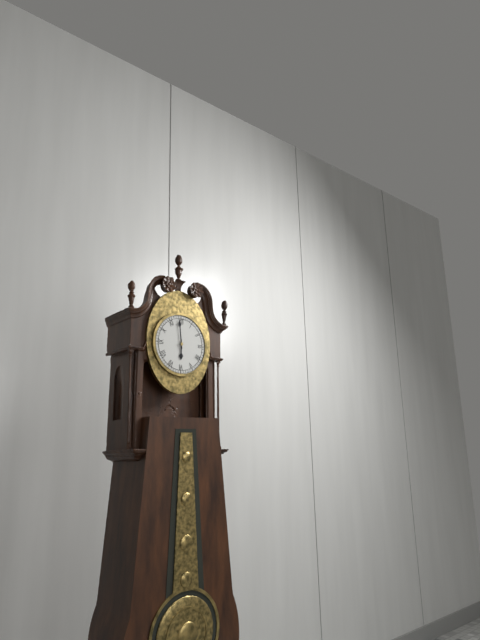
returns {"hour": 5, "minute": 59}
